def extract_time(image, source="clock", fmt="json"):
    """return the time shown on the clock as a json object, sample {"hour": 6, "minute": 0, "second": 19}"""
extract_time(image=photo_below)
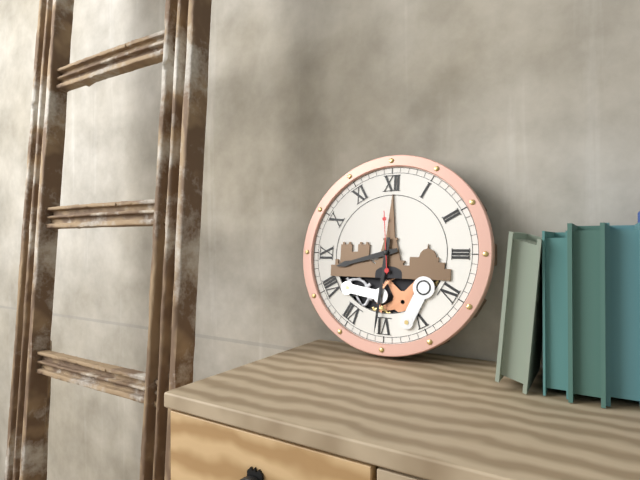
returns {"hour": 8, "minute": 31, "second": 59}
